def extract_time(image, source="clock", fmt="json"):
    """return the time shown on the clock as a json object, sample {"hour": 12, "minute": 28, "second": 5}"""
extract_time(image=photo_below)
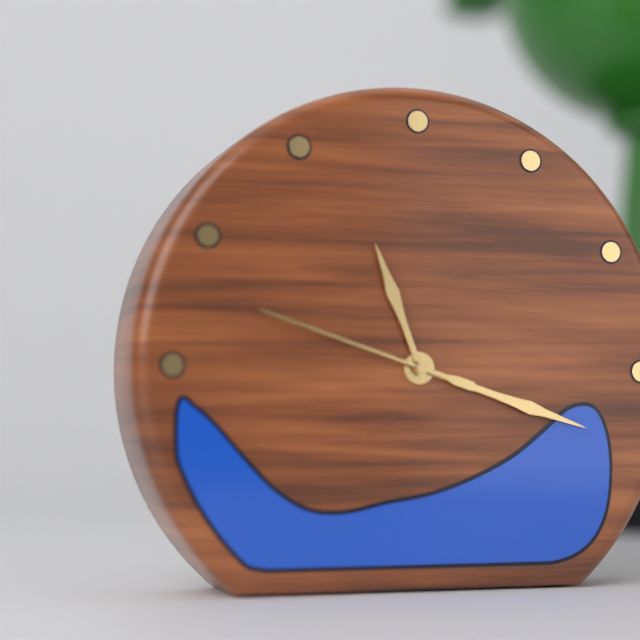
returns {"hour": 11, "minute": 18, "second": 48}
